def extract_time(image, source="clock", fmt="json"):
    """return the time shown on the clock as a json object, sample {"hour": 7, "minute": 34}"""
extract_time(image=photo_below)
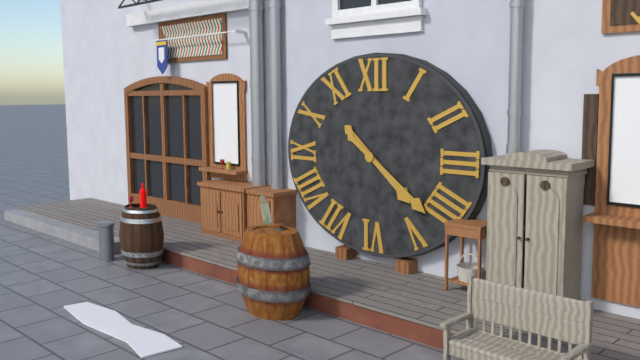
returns {"hour": 4, "minute": 21}
